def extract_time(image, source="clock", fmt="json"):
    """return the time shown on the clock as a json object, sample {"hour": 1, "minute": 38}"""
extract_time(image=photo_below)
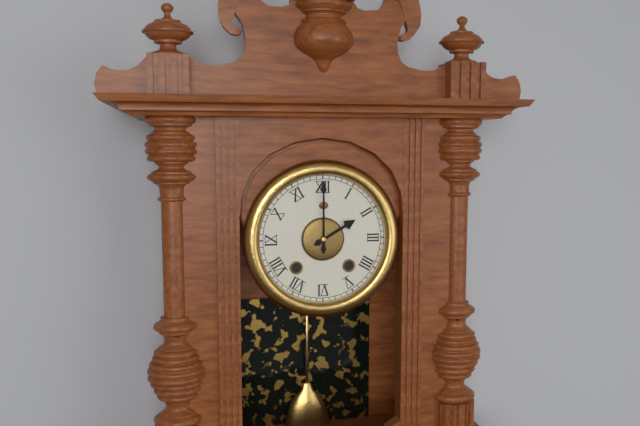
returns {"hour": 2, "minute": 0}
